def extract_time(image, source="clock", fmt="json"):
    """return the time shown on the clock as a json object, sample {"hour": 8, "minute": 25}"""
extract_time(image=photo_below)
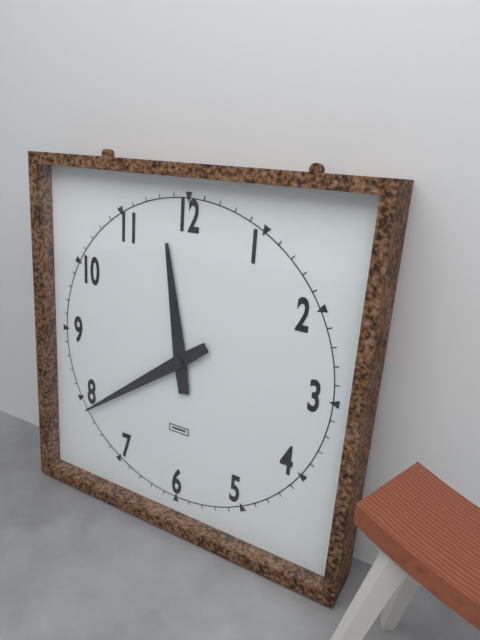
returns {"hour": 11, "minute": 39}
